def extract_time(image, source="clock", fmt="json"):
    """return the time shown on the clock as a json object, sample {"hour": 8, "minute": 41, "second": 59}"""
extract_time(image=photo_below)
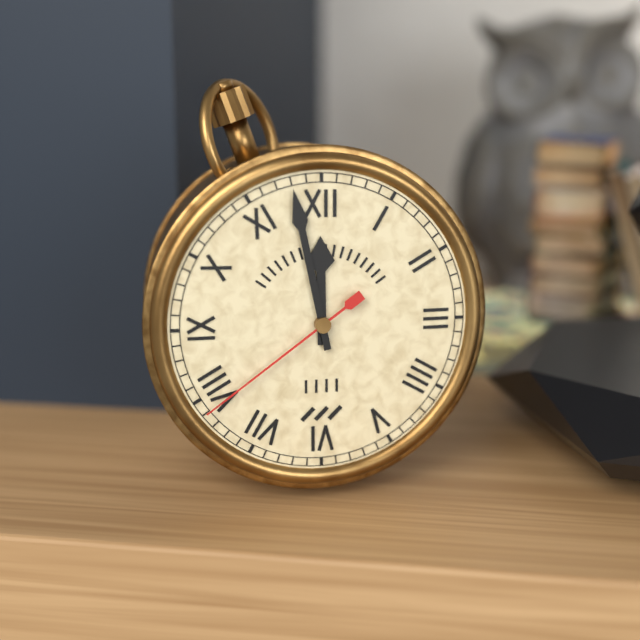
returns {"hour": 11, "minute": 58, "second": 39}
